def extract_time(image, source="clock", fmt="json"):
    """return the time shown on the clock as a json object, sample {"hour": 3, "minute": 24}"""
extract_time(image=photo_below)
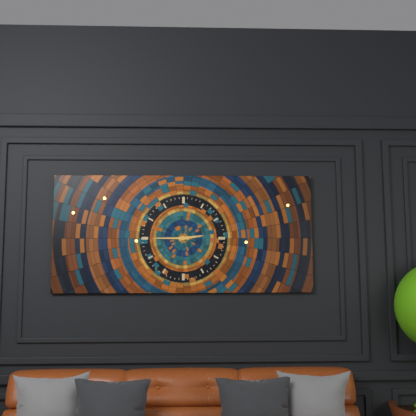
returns {"hour": 2, "minute": 45}
